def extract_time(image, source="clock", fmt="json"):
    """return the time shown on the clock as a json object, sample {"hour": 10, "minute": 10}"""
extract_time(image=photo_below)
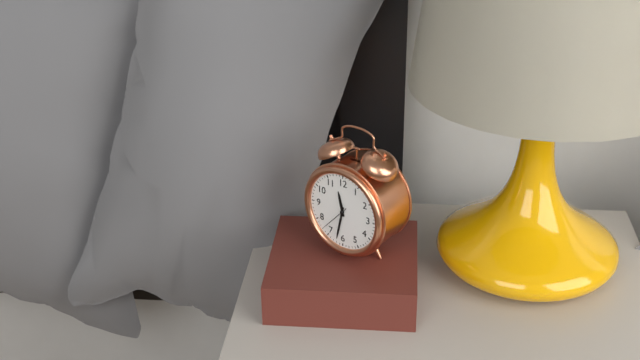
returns {"hour": 11, "minute": 32}
